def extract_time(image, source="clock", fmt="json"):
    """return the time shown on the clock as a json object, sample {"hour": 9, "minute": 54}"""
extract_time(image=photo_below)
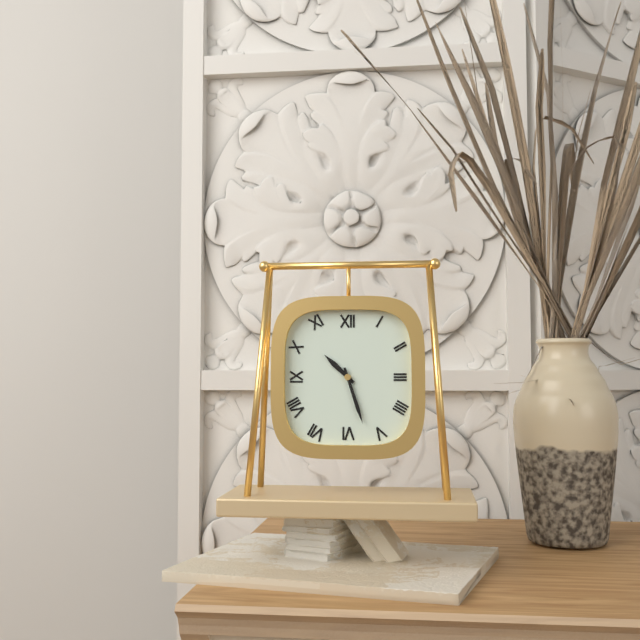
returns {"hour": 10, "minute": 27}
